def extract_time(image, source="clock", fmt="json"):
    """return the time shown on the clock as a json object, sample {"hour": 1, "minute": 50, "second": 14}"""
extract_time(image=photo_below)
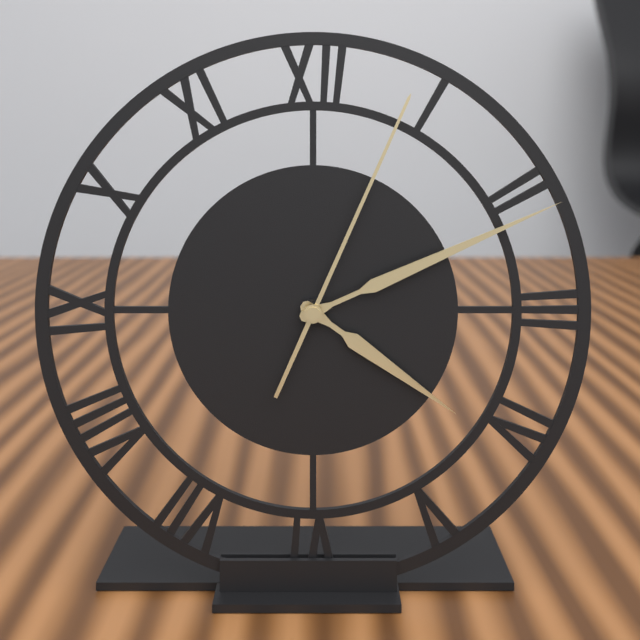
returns {"hour": 4, "minute": 11, "second": 4}
